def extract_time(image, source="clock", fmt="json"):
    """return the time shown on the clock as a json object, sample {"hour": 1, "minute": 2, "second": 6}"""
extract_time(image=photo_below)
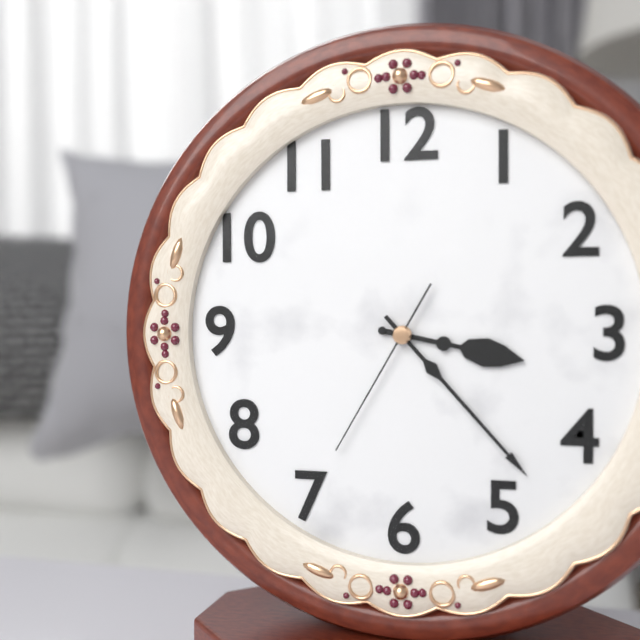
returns {"hour": 3, "minute": 23, "second": 35}
